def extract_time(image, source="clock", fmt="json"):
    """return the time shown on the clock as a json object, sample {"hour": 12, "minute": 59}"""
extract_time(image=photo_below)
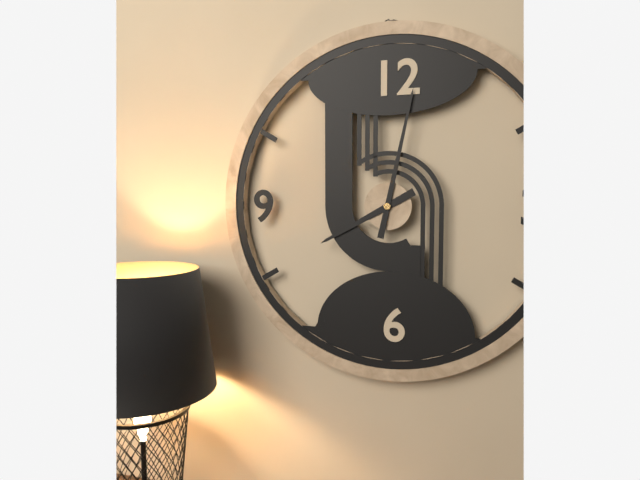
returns {"hour": 8, "minute": 2}
